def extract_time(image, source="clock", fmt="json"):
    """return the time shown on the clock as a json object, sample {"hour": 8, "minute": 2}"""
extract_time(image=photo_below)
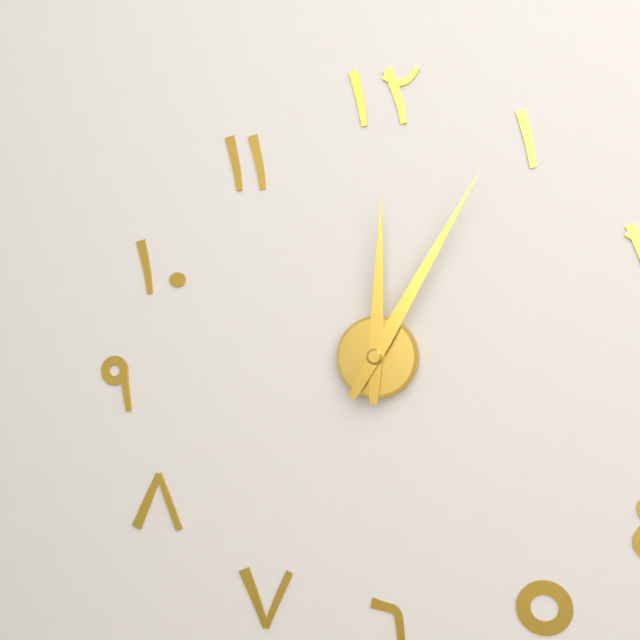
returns {"hour": 12, "minute": 5}
